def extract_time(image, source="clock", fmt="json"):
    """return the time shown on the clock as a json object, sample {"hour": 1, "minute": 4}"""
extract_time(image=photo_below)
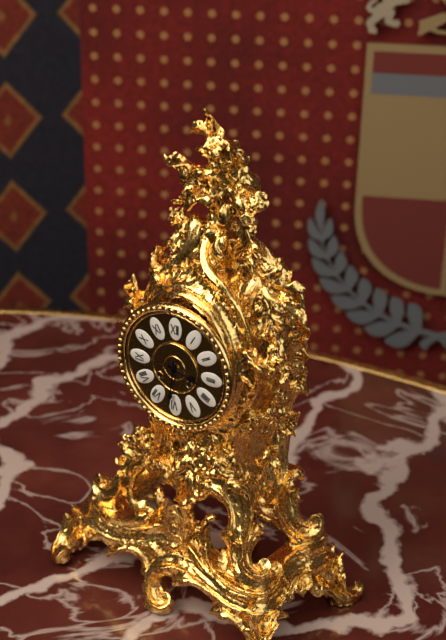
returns {"hour": 3, "minute": 31}
